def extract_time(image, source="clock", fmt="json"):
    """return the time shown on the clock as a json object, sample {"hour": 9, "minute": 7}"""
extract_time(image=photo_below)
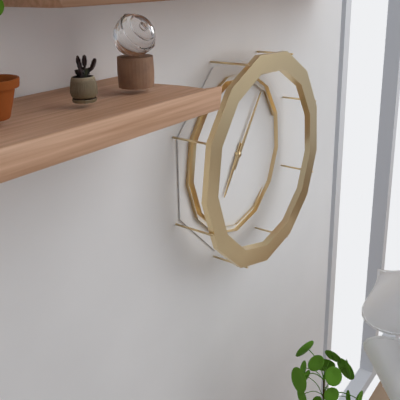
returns {"hour": 7, "minute": 6}
